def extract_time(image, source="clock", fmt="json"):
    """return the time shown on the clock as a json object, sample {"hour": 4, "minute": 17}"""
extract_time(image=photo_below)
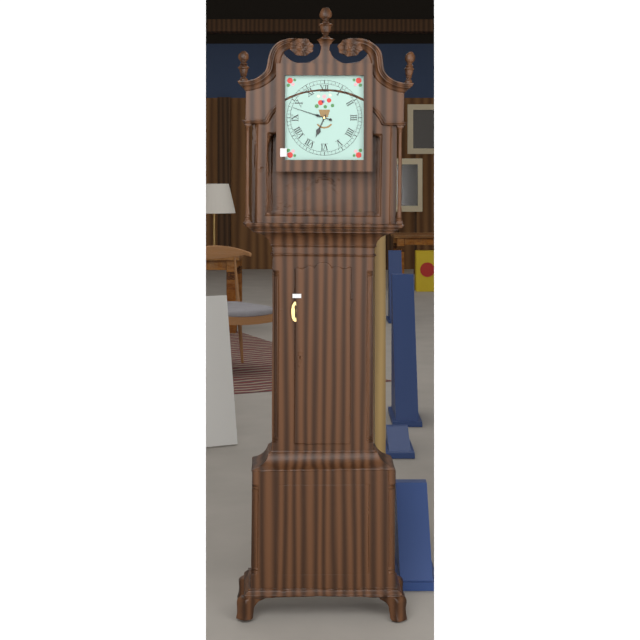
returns {"hour": 6, "minute": 48}
